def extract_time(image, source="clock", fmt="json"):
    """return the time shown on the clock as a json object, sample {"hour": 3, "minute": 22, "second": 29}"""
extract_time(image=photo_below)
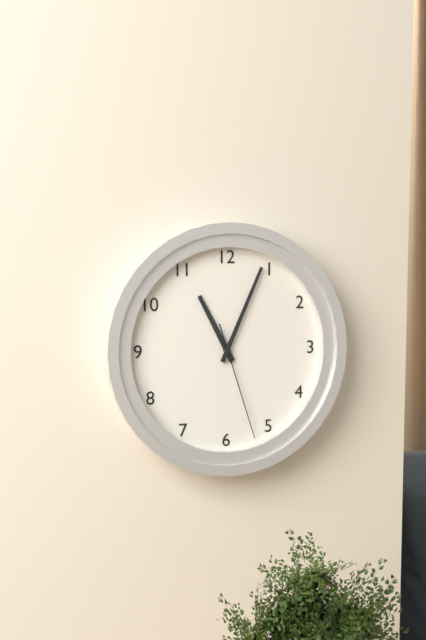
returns {"hour": 11, "minute": 4, "second": 27}
